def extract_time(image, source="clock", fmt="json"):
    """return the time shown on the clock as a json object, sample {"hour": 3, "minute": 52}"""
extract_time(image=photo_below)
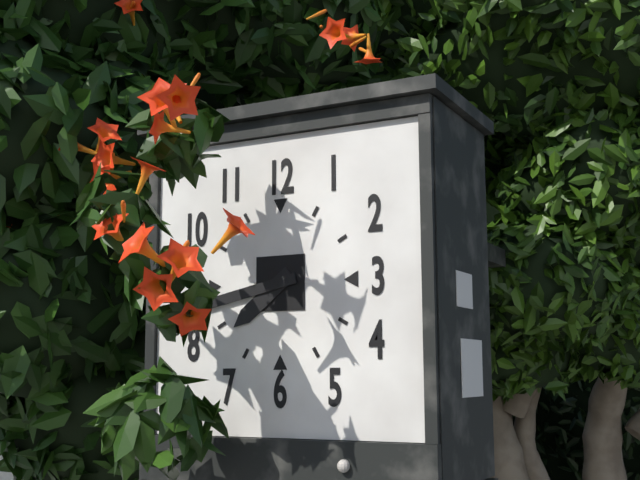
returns {"hour": 7, "minute": 43}
